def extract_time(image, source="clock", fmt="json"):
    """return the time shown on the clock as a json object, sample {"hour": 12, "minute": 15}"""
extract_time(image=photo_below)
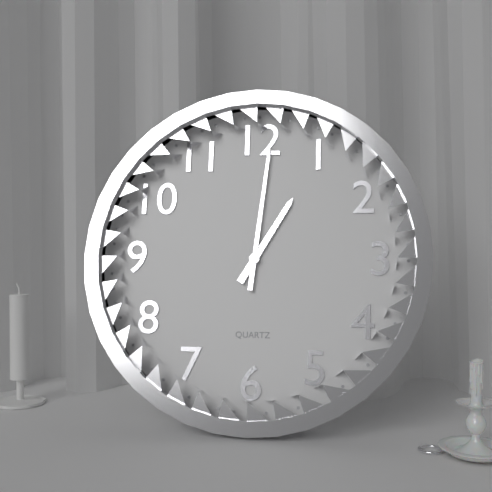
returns {"hour": 1, "minute": 1}
